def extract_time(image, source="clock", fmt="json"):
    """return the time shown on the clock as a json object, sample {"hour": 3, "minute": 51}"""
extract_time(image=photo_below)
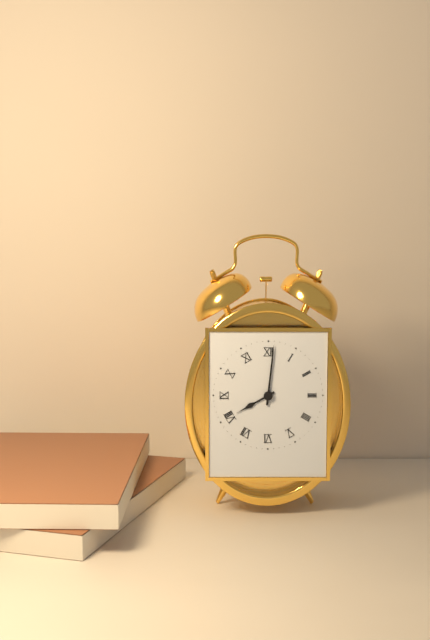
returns {"hour": 8, "minute": 1}
